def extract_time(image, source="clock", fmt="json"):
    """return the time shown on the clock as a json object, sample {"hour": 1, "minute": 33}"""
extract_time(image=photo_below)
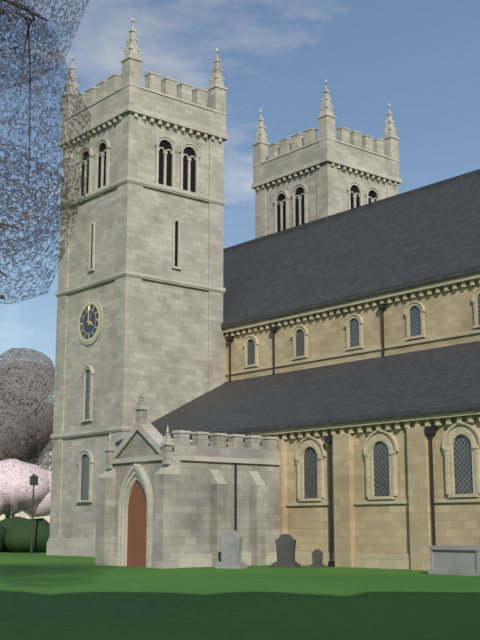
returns {"hour": 3, "minute": 59}
